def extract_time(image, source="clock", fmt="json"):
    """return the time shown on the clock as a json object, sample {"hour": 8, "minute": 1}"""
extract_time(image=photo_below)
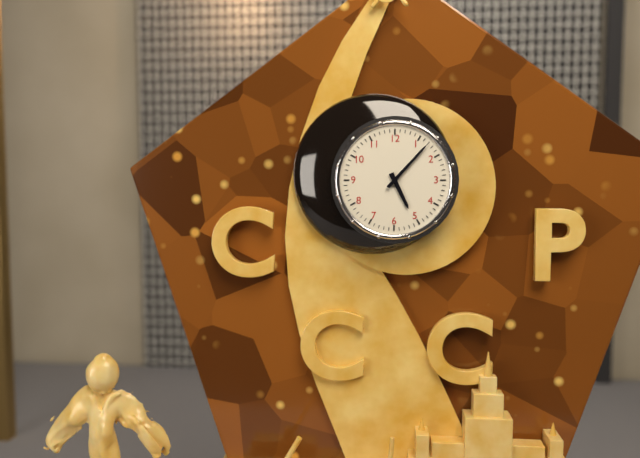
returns {"hour": 5, "minute": 7}
